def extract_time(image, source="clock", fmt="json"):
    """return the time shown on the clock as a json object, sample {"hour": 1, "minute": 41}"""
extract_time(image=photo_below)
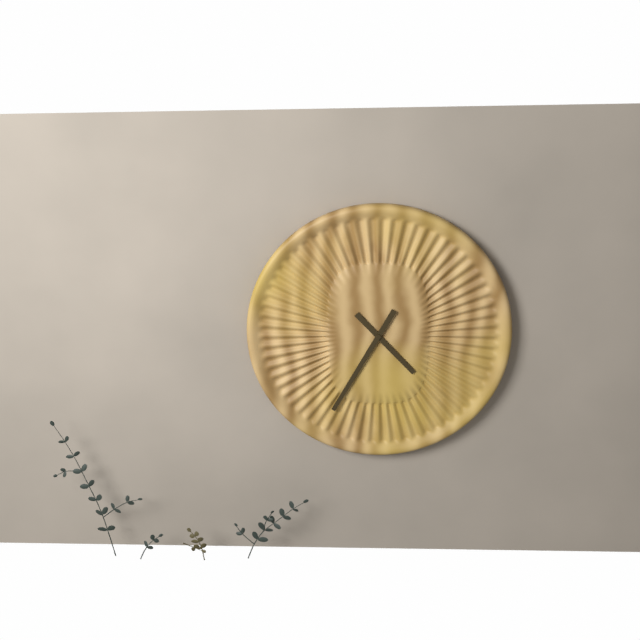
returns {"hour": 4, "minute": 35}
